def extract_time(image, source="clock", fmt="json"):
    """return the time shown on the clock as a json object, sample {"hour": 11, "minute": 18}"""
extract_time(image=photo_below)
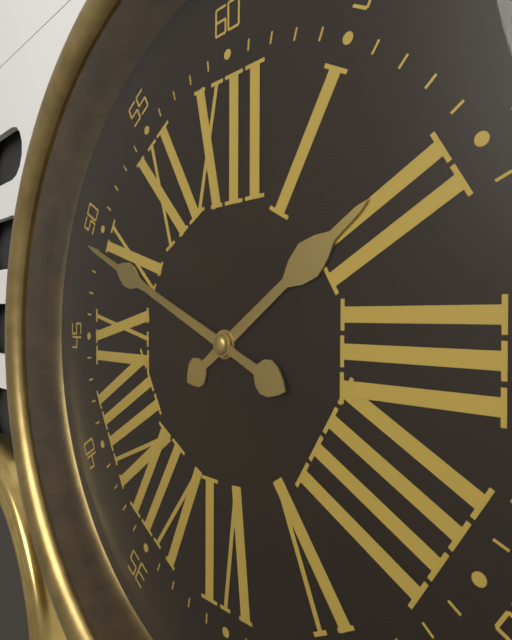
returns {"hour": 1, "minute": 49}
